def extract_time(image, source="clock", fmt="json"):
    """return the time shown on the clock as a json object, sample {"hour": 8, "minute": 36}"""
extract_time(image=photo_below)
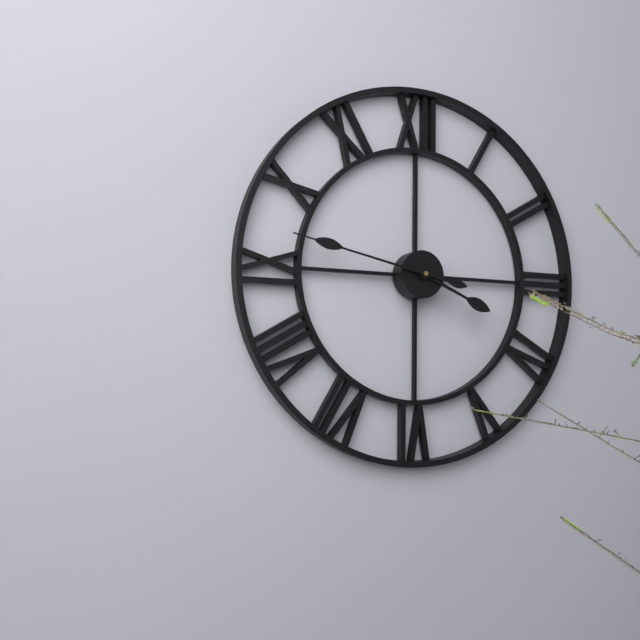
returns {"hour": 3, "minute": 47}
